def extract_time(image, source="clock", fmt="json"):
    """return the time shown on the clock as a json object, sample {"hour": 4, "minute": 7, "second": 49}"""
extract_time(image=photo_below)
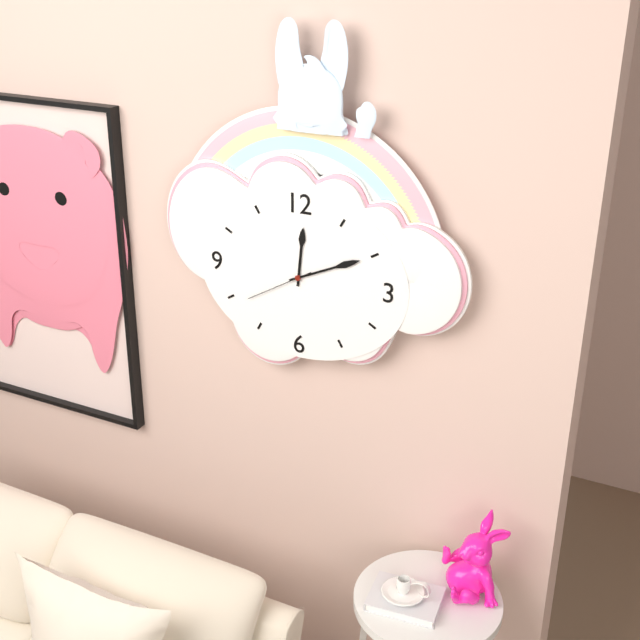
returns {"hour": 12, "minute": 11, "second": 40}
